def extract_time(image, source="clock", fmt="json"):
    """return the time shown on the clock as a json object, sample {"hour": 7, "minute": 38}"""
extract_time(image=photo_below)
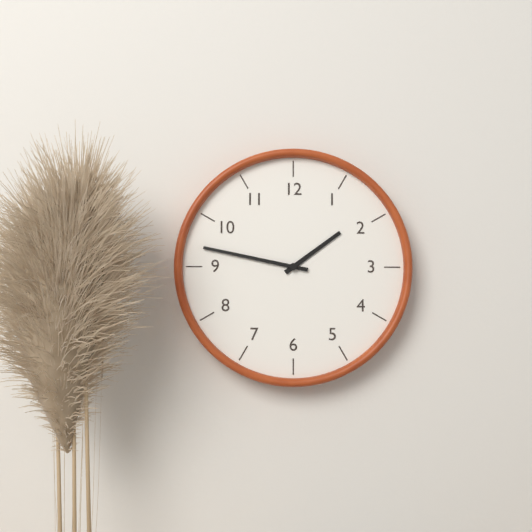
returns {"hour": 1, "minute": 47}
